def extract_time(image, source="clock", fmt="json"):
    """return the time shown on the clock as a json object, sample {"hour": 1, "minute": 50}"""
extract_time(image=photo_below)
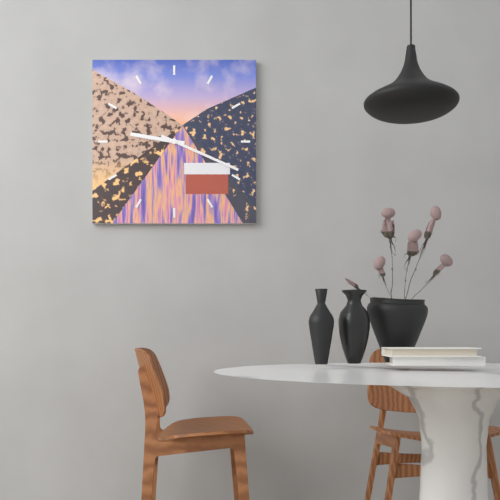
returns {"hour": 9, "minute": 19}
